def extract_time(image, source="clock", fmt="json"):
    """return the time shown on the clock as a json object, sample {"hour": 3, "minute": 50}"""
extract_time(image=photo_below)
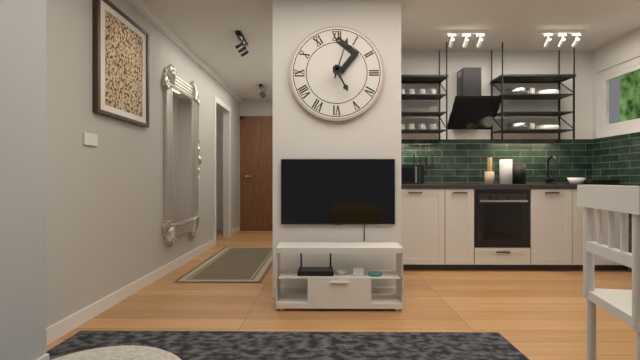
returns {"hour": 5, "minute": 3}
